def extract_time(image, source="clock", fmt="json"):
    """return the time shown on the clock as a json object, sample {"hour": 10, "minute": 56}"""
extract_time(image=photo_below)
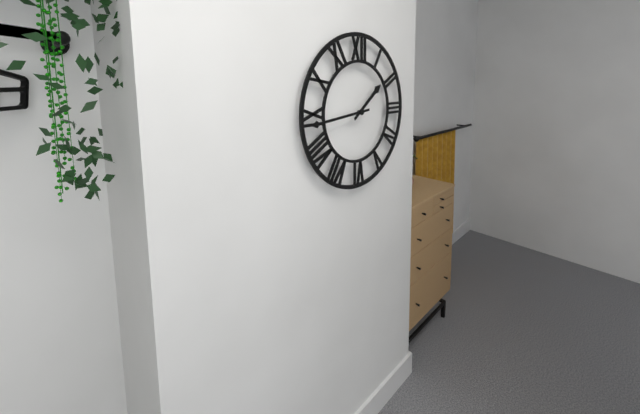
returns {"hour": 1, "minute": 44}
